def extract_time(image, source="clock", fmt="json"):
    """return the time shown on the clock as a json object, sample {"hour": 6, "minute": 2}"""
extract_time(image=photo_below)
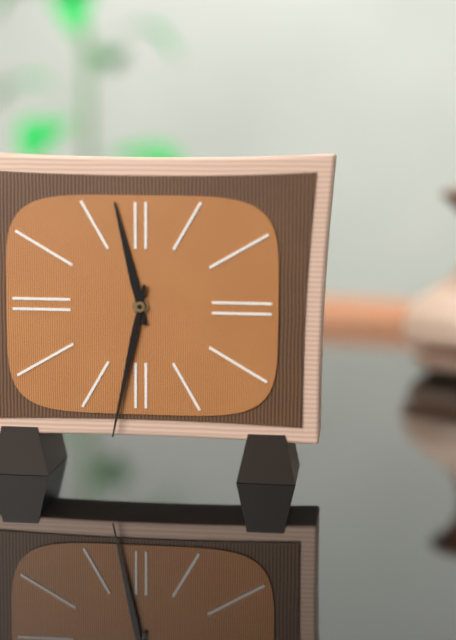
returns {"hour": 11, "minute": 32}
